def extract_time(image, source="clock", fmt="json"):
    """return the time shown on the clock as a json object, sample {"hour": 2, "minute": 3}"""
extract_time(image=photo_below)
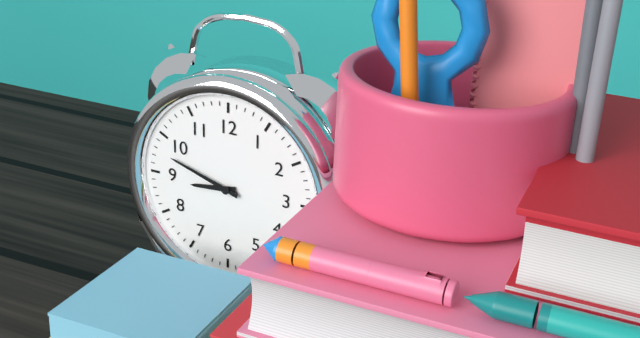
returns {"hour": 8, "minute": 48}
